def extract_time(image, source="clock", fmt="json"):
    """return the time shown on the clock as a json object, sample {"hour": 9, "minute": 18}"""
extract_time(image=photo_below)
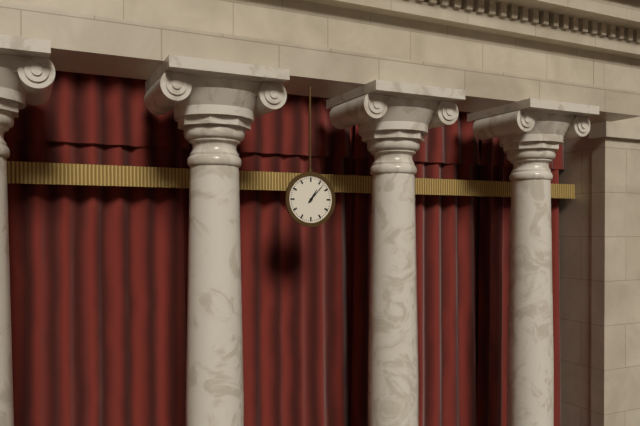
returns {"hour": 1, "minute": 7}
